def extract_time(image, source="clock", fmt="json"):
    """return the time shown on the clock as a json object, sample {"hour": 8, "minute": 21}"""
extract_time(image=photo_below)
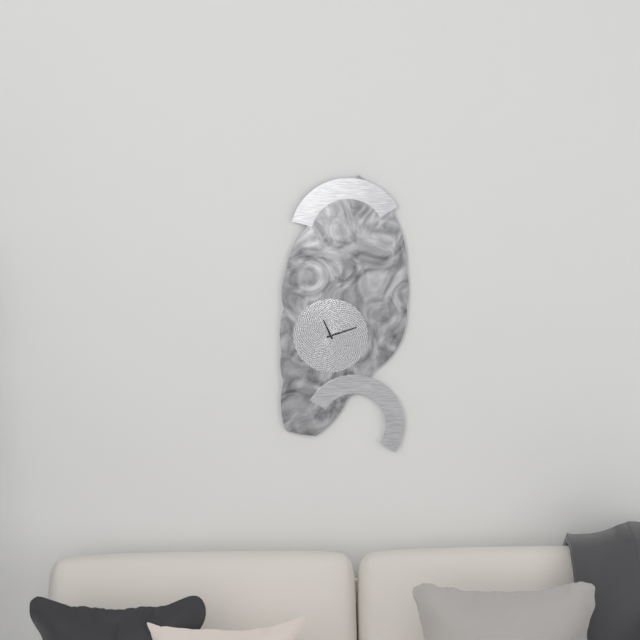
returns {"hour": 11, "minute": 12}
